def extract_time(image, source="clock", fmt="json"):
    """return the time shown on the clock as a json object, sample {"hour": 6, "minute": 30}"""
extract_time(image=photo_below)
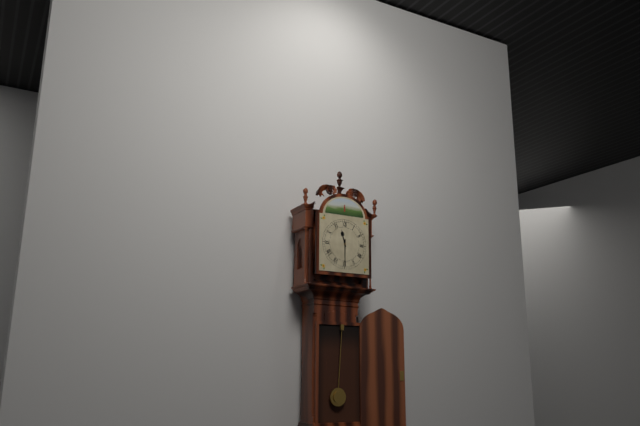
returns {"hour": 11, "minute": 30}
